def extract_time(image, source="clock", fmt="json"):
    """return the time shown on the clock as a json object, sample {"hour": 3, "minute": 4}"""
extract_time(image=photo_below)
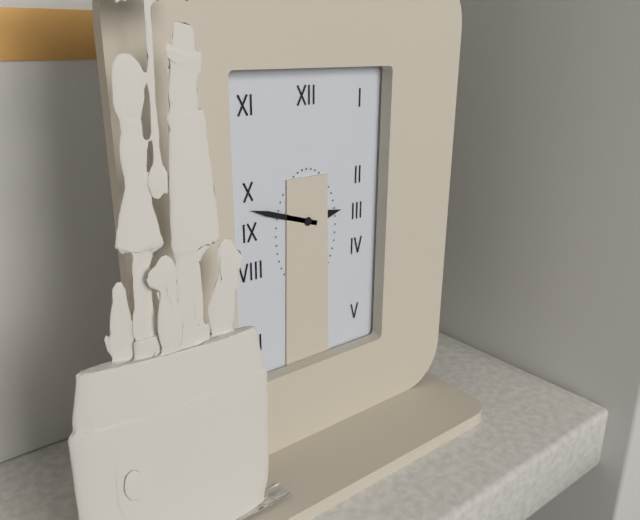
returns {"hour": 2, "minute": 48}
